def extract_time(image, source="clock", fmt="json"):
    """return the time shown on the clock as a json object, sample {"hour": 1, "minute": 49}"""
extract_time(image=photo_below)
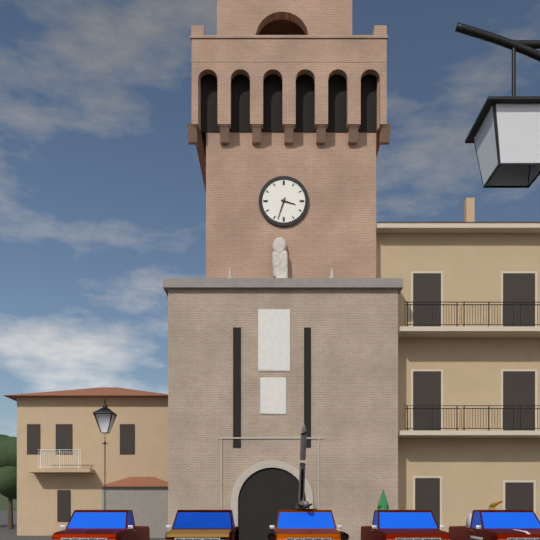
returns {"hour": 3, "minute": 33}
